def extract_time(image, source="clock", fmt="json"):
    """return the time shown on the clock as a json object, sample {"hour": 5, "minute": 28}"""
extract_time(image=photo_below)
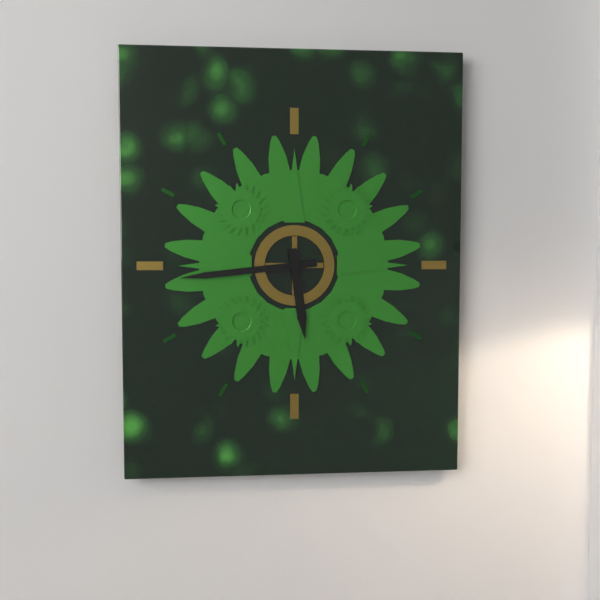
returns {"hour": 5, "minute": 44}
